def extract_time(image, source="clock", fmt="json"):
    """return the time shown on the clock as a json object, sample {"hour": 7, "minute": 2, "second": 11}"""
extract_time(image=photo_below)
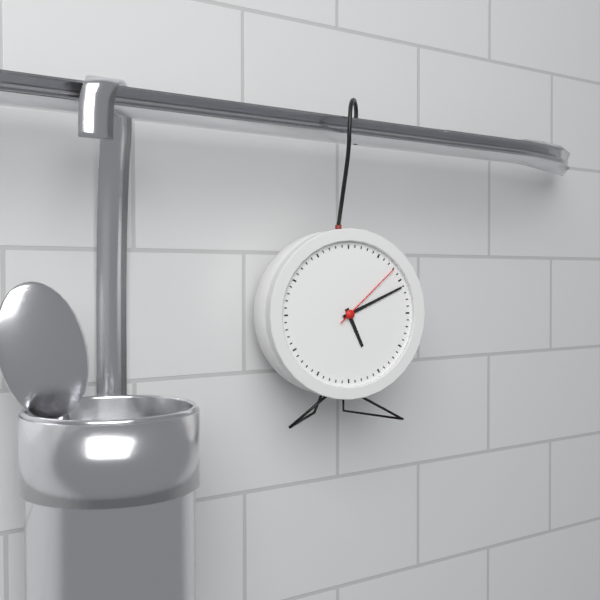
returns {"hour": 5, "minute": 11, "second": 8}
